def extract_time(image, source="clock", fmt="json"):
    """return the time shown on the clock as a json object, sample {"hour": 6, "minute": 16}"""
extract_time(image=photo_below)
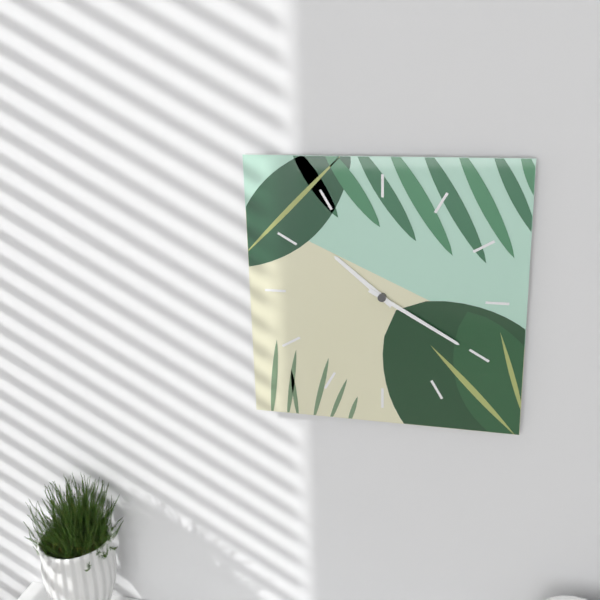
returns {"hour": 10, "minute": 20}
